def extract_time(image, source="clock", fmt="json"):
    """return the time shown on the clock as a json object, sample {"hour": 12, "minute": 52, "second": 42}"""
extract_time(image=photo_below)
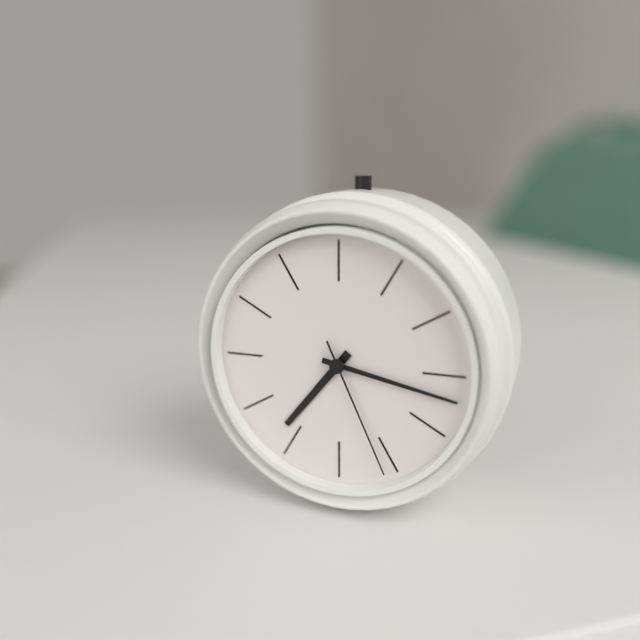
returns {"hour": 7, "minute": 17, "second": 26}
